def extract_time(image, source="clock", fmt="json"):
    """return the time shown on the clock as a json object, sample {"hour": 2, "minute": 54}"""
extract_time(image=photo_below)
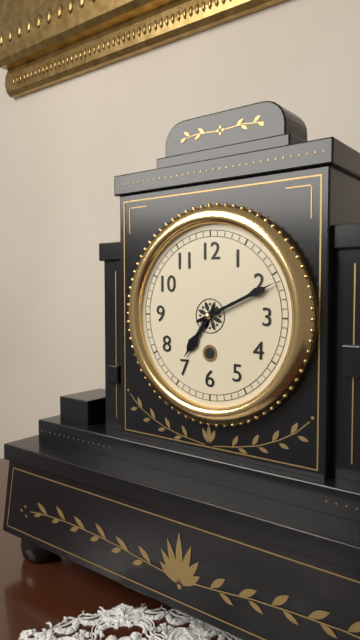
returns {"hour": 7, "minute": 11}
